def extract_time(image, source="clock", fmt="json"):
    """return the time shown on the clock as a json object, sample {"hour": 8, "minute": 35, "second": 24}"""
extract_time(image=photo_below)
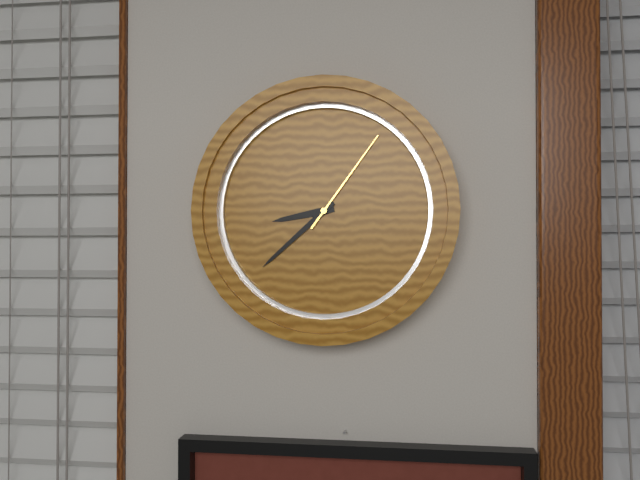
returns {"hour": 8, "minute": 38, "second": 6}
